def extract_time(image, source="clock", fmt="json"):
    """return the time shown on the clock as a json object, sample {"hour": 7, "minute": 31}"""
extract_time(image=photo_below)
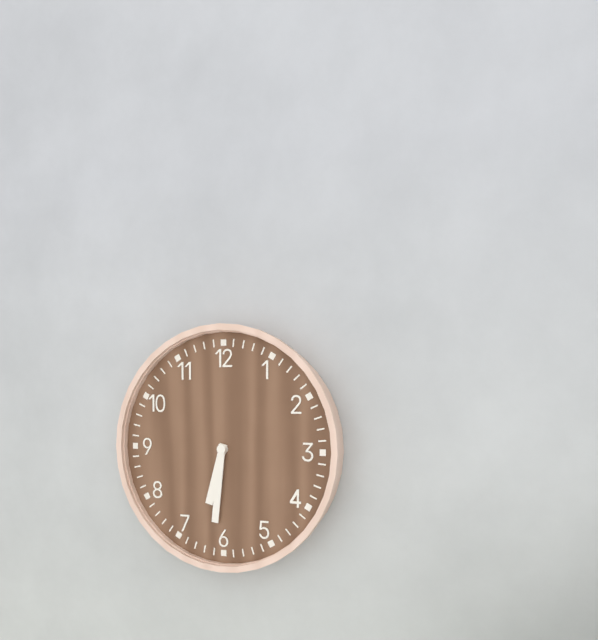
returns {"hour": 6, "minute": 31}
